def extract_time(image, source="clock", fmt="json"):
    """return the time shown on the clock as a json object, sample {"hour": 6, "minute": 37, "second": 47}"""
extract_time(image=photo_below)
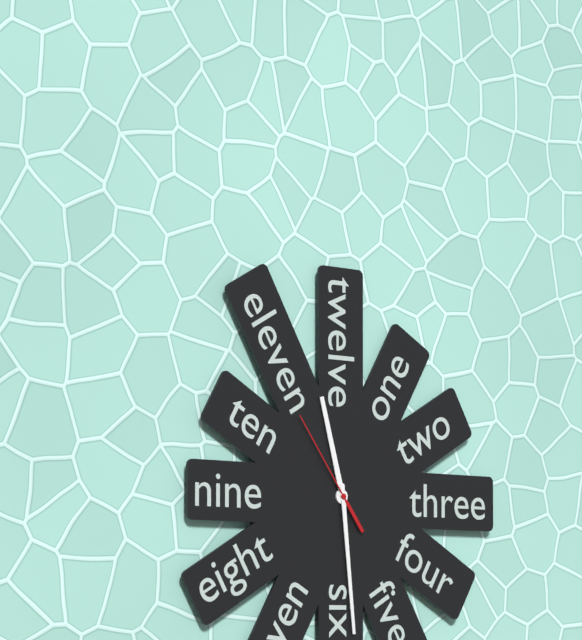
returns {"hour": 11, "minute": 29, "second": 54}
